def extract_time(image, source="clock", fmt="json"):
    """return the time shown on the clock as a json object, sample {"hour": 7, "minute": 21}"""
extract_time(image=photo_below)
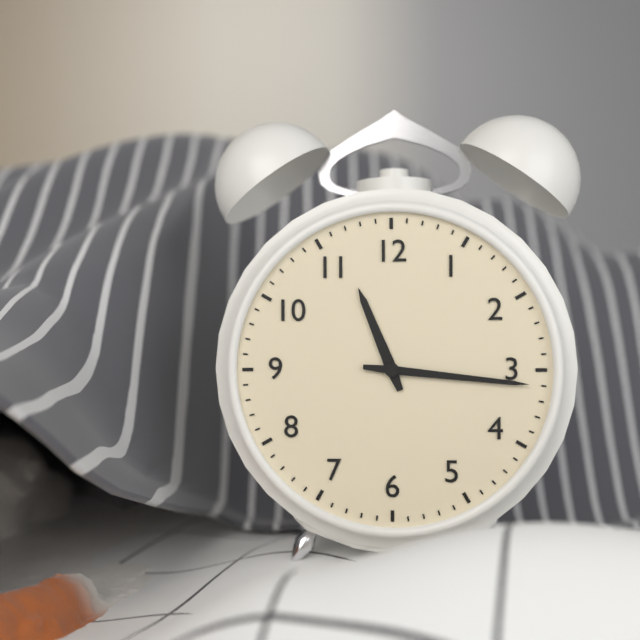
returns {"hour": 11, "minute": 16}
